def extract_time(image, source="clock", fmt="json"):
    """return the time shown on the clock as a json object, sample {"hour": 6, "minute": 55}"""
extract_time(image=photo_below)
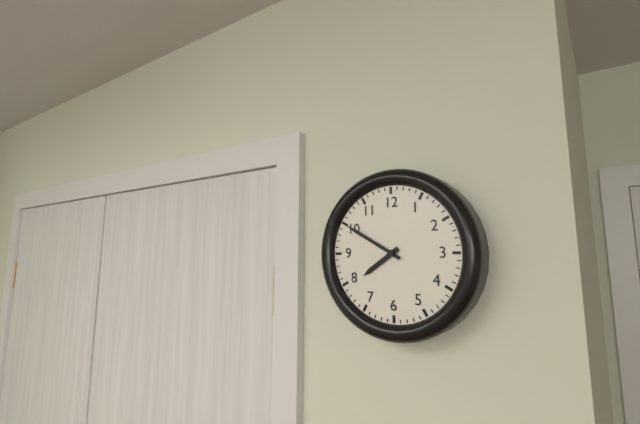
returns {"hour": 7, "minute": 50}
